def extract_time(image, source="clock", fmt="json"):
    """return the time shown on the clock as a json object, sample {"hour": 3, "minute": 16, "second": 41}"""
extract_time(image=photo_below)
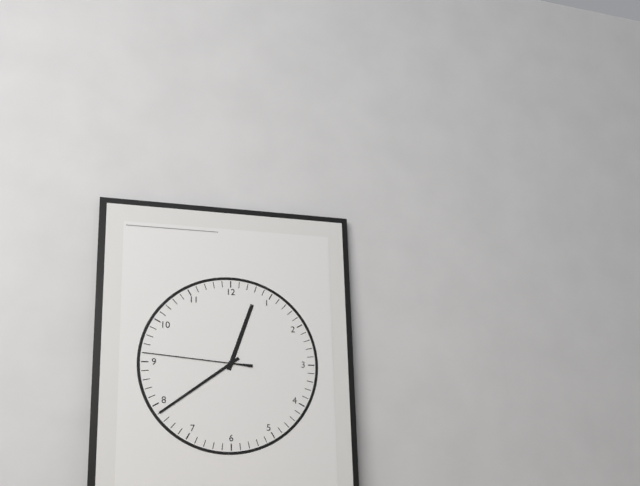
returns {"hour": 12, "minute": 39, "second": 46}
